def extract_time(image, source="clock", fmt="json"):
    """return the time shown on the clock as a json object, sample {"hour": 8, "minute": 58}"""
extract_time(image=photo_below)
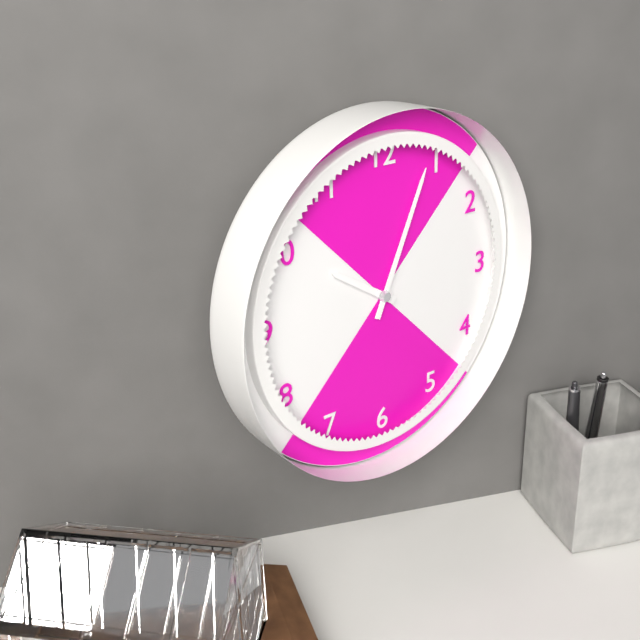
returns {"hour": 10, "minute": 4}
